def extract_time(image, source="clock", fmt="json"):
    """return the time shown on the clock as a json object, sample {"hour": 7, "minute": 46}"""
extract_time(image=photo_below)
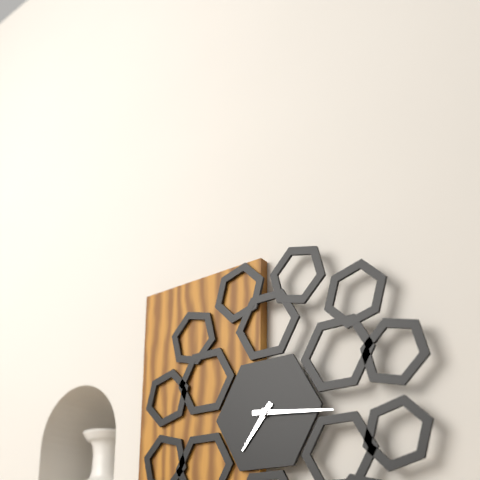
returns {"hour": 7, "minute": 16}
